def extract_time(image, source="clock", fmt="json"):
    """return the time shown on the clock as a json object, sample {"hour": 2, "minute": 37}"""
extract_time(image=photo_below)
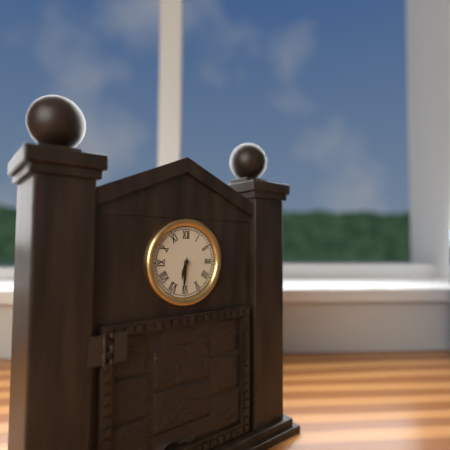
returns {"hour": 6, "minute": 31}
